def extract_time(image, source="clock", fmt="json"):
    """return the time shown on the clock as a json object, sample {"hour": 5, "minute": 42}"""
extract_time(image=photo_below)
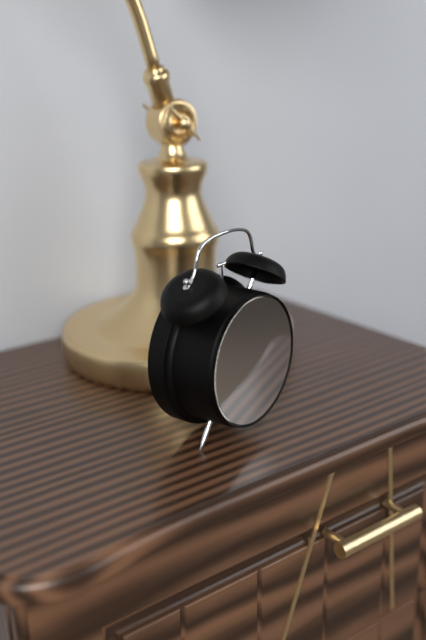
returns {"hour": 9, "minute": 34}
